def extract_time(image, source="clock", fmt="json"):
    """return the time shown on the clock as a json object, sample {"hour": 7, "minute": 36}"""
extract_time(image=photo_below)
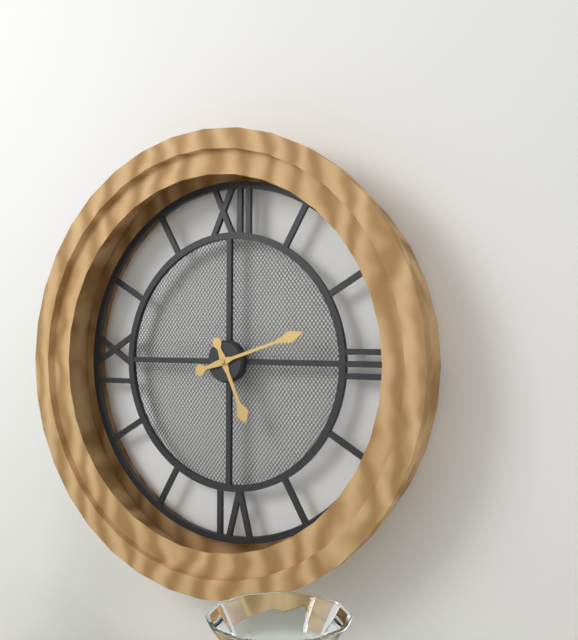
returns {"hour": 5, "minute": 12}
